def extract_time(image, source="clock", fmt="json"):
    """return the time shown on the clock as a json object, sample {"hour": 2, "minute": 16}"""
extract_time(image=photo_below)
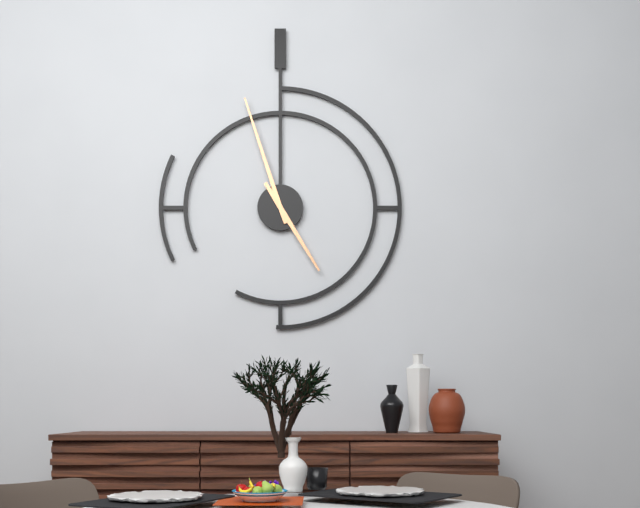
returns {"hour": 4, "minute": 57}
